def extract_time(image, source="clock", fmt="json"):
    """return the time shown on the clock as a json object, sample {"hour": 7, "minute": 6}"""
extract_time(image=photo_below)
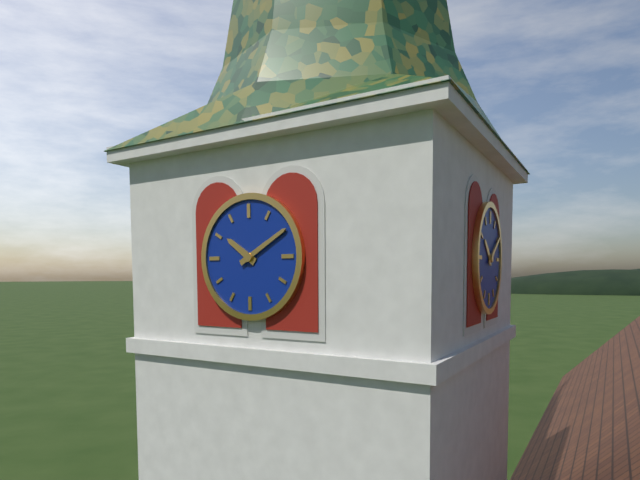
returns {"hour": 10, "minute": 10}
